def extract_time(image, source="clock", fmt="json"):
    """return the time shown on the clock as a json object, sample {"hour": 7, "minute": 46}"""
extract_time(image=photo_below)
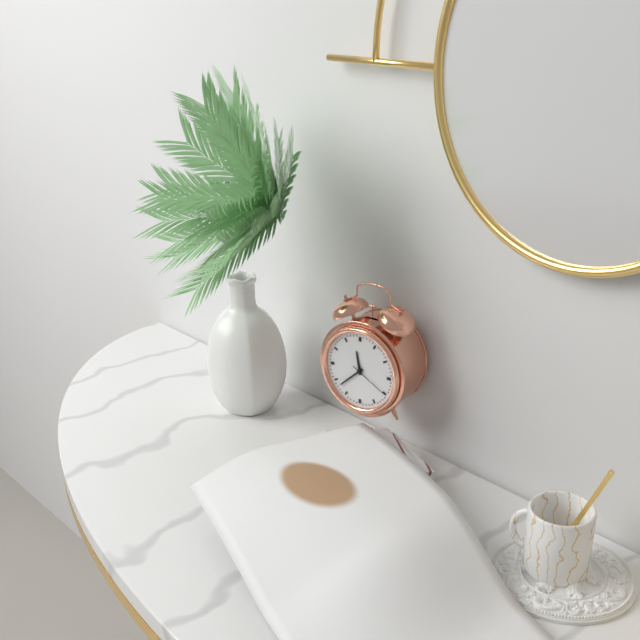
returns {"hour": 11, "minute": 38}
